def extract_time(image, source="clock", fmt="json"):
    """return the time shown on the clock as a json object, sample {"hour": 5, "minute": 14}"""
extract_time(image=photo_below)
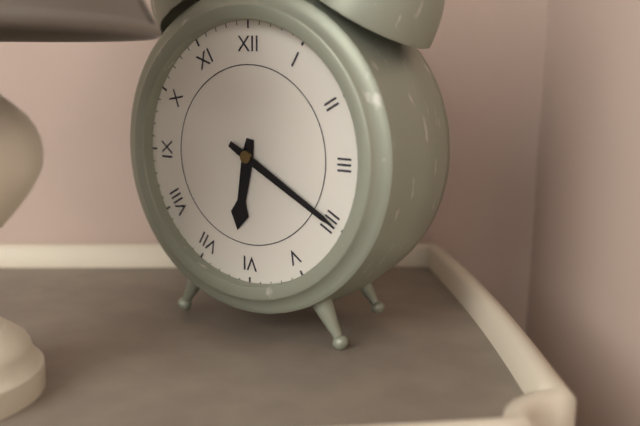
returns {"hour": 6, "minute": 20}
